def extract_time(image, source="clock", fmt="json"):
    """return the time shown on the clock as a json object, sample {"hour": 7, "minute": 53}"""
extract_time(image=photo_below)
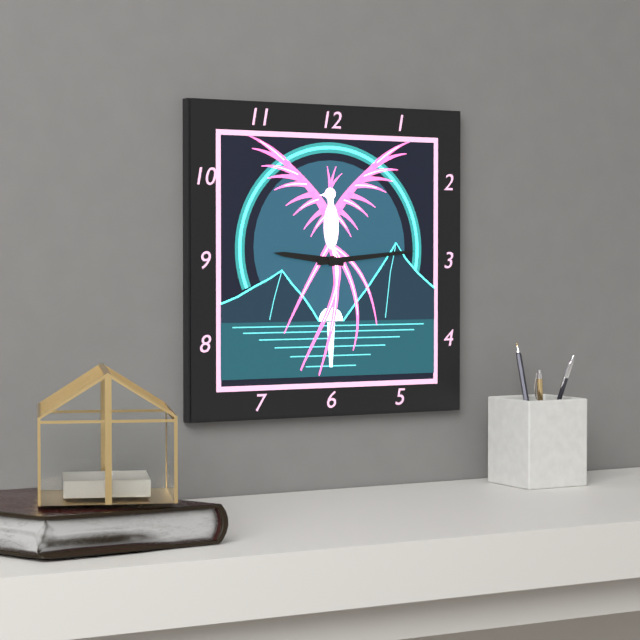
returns {"hour": 9, "minute": 14}
